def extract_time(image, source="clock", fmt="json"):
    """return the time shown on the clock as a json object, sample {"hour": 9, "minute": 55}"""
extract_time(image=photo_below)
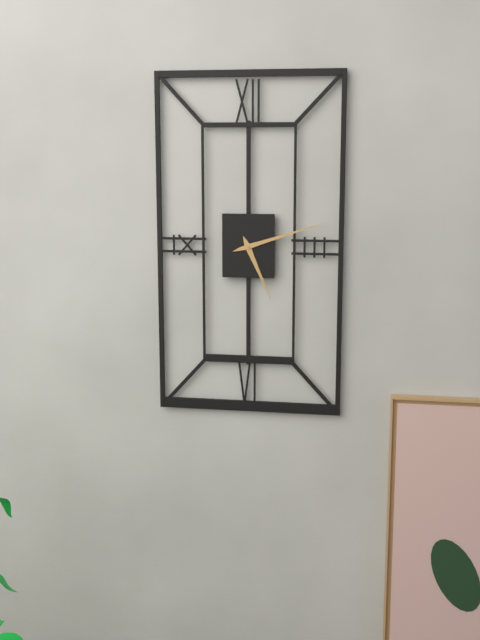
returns {"hour": 5, "minute": 12}
